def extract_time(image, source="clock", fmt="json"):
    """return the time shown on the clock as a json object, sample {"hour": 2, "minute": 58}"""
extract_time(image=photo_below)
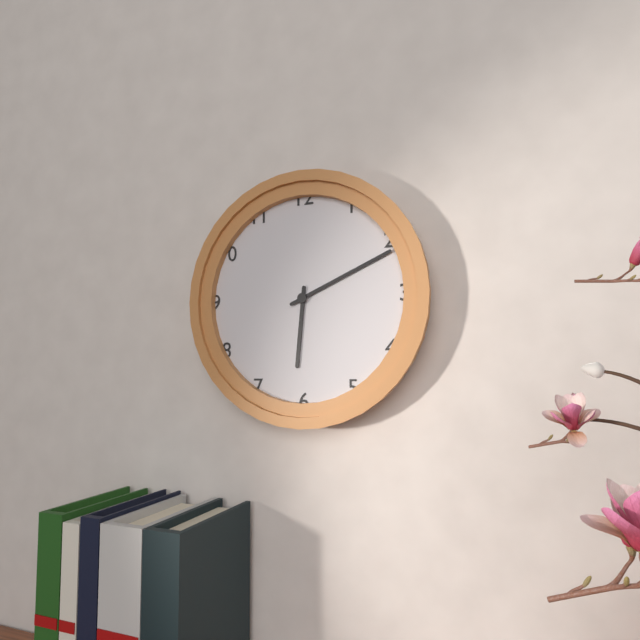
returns {"hour": 6, "minute": 11}
